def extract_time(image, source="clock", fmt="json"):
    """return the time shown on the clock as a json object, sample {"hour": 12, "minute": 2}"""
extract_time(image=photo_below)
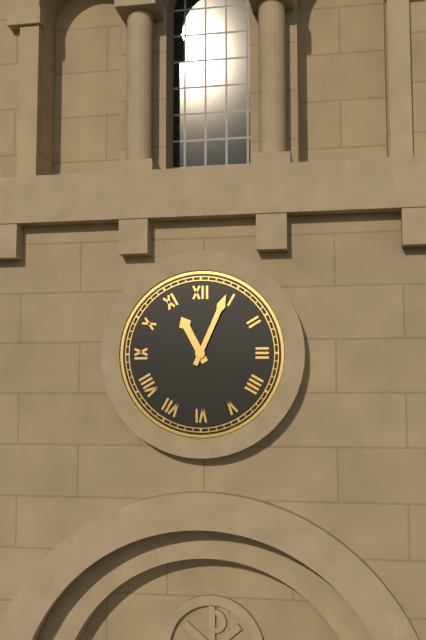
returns {"hour": 11, "minute": 4}
